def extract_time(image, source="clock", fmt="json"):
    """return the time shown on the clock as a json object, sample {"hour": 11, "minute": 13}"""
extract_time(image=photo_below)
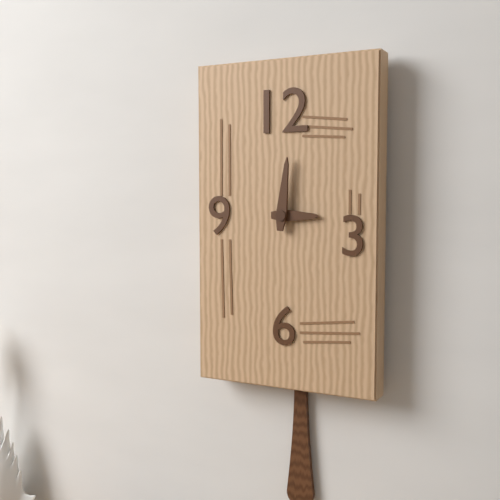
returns {"hour": 3, "minute": 1}
